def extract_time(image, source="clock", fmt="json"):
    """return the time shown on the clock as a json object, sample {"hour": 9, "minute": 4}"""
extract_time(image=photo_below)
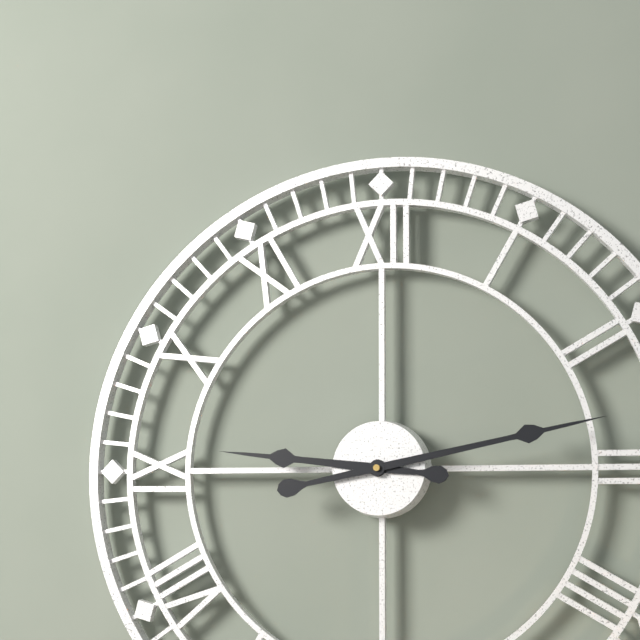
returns {"hour": 9, "minute": 13}
